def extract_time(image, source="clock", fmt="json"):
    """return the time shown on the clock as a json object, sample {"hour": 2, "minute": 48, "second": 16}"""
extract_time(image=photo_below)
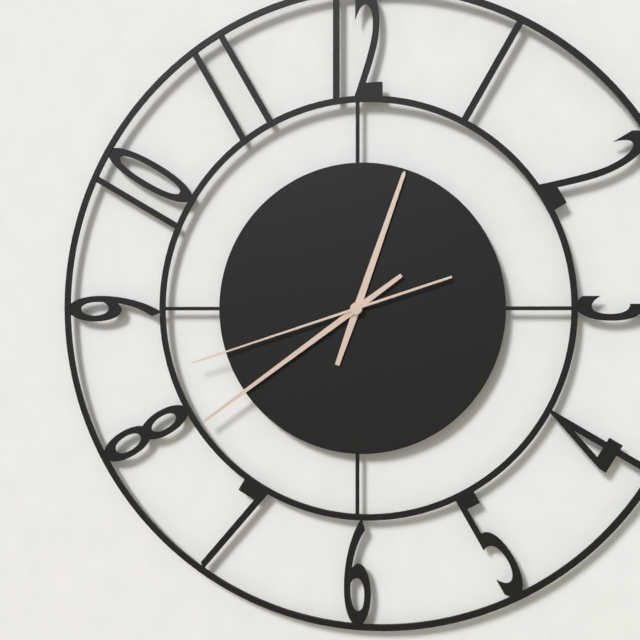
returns {"hour": 12, "minute": 39, "second": 42}
